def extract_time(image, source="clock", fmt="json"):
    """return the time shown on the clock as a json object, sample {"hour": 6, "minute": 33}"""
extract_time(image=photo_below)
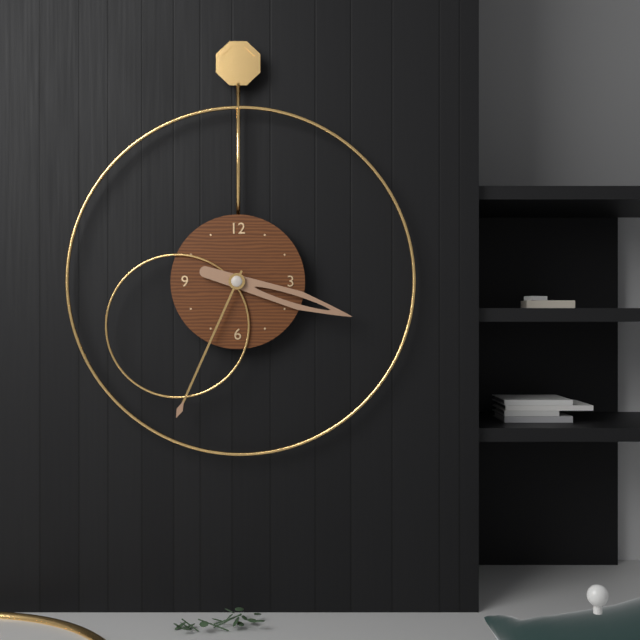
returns {"hour": 3, "minute": 34}
